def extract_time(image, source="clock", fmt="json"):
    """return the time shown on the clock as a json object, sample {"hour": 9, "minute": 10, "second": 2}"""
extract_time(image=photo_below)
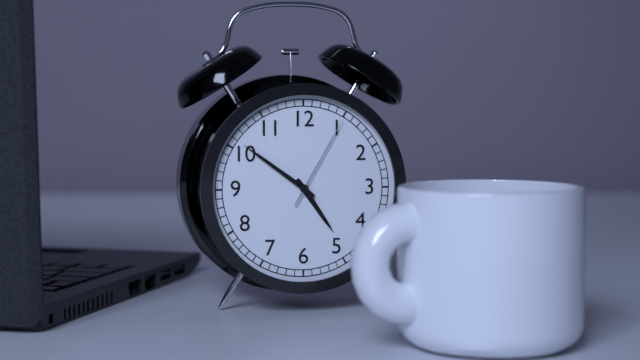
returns {"hour": 4, "minute": 51, "second": 5}
